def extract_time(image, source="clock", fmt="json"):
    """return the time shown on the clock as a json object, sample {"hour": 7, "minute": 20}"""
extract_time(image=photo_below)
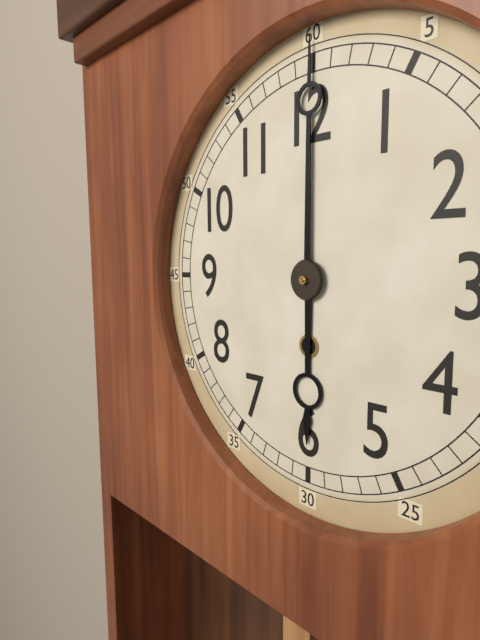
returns {"hour": 6, "minute": 0}
